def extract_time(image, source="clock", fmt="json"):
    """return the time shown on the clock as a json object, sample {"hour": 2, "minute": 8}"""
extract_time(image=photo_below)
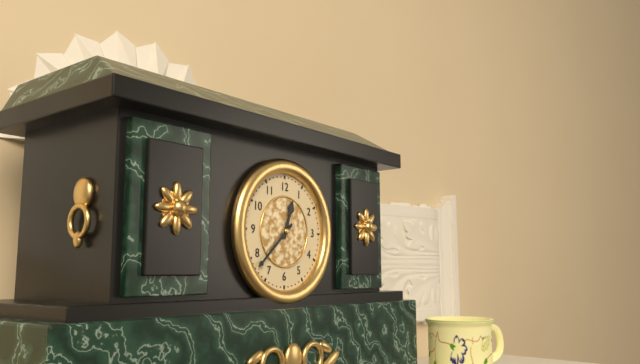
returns {"hour": 12, "minute": 38}
